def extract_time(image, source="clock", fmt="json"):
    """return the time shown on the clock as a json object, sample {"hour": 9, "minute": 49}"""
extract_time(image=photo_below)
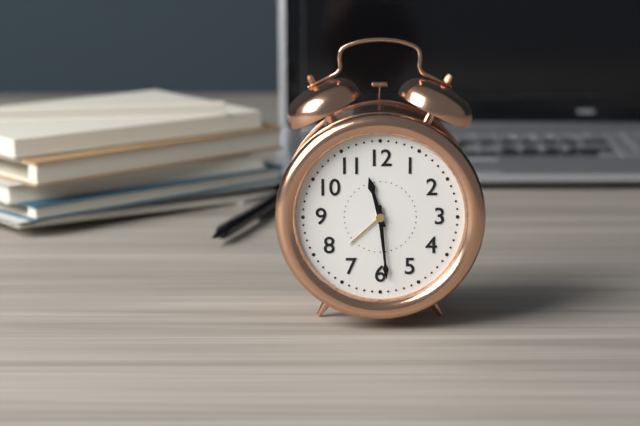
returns {"hour": 11, "minute": 29}
